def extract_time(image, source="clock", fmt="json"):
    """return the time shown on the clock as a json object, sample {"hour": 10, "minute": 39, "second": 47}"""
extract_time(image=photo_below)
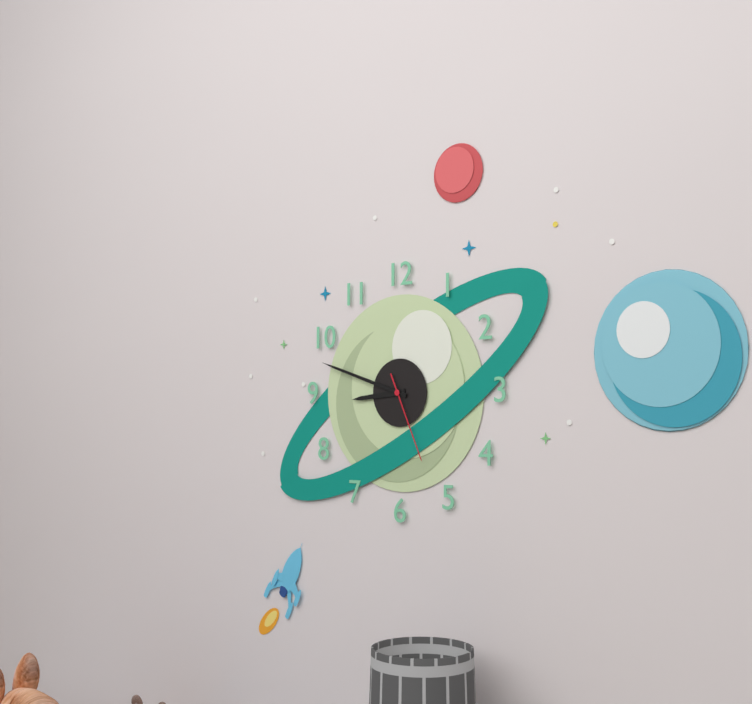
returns {"hour": 8, "minute": 48, "second": 26}
